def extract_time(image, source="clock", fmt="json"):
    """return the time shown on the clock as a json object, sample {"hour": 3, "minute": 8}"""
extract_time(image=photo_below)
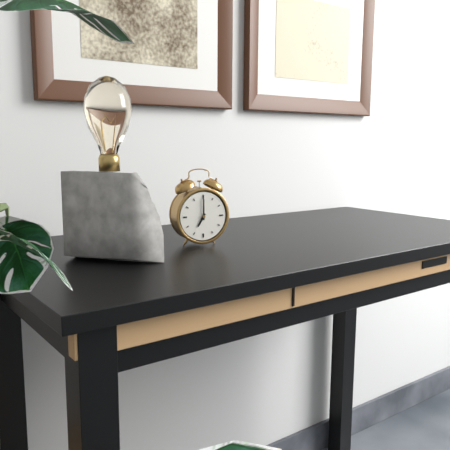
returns {"hour": 7, "minute": 0}
